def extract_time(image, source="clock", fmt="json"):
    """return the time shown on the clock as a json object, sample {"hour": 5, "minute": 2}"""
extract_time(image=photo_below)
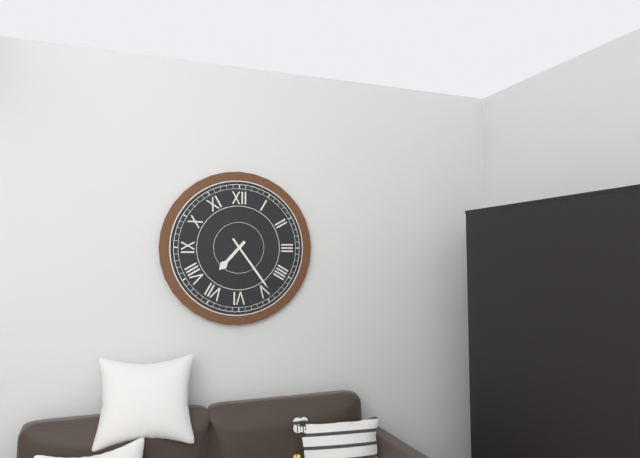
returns {"hour": 7, "minute": 24}
